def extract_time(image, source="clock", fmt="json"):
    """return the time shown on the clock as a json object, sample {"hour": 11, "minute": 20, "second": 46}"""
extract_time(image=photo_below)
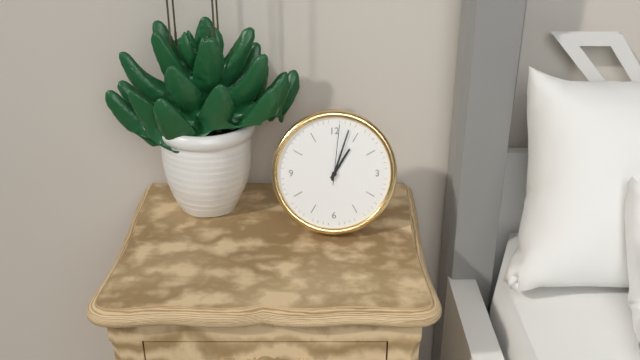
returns {"hour": 1, "minute": 3, "second": 1}
